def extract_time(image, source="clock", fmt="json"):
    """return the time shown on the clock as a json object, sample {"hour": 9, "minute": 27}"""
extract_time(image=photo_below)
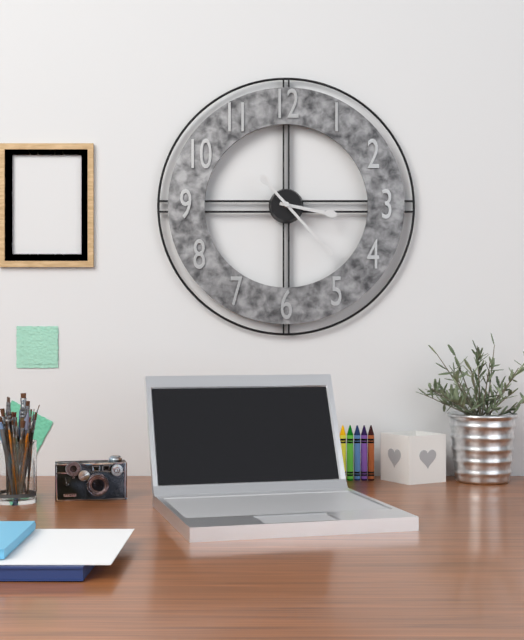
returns {"hour": 3, "minute": 23}
